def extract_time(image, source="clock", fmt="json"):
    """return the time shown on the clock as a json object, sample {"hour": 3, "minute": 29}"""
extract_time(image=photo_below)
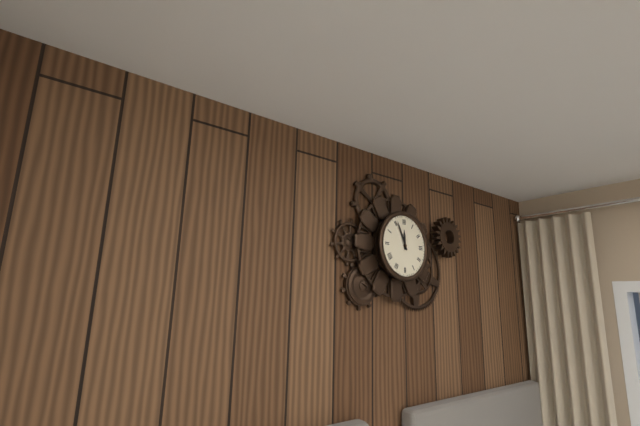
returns {"hour": 11, "minute": 56}
